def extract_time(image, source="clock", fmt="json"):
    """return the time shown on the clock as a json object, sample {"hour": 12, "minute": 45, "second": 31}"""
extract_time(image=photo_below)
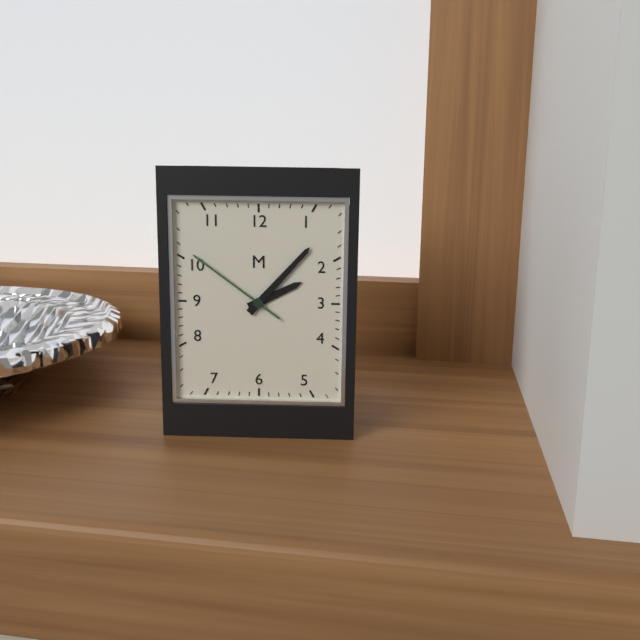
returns {"hour": 2, "minute": 7, "second": 51}
